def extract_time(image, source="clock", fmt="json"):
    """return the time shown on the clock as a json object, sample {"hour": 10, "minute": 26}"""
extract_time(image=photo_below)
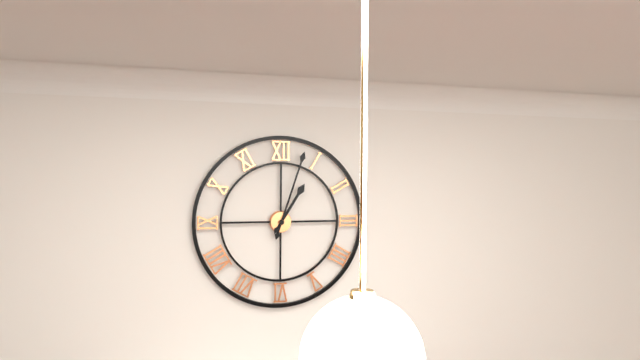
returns {"hour": 1, "minute": 3}
